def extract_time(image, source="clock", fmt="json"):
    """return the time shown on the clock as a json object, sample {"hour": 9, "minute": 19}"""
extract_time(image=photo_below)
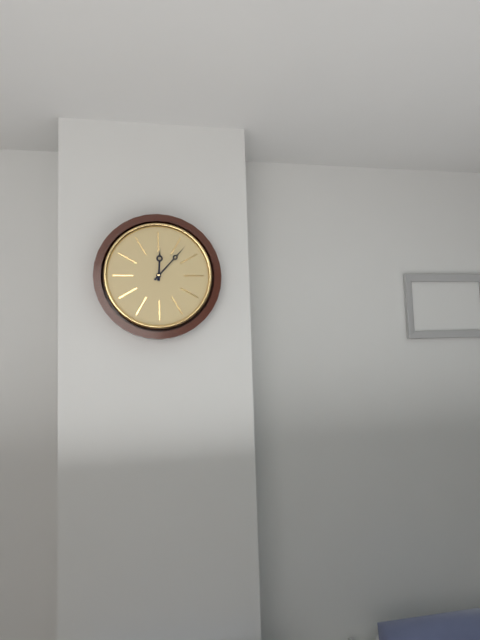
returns {"hour": 12, "minute": 7}
